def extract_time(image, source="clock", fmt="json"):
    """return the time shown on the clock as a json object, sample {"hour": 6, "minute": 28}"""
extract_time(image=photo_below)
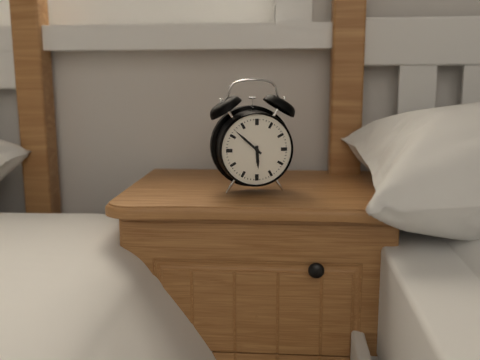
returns {"hour": 5, "minute": 52}
